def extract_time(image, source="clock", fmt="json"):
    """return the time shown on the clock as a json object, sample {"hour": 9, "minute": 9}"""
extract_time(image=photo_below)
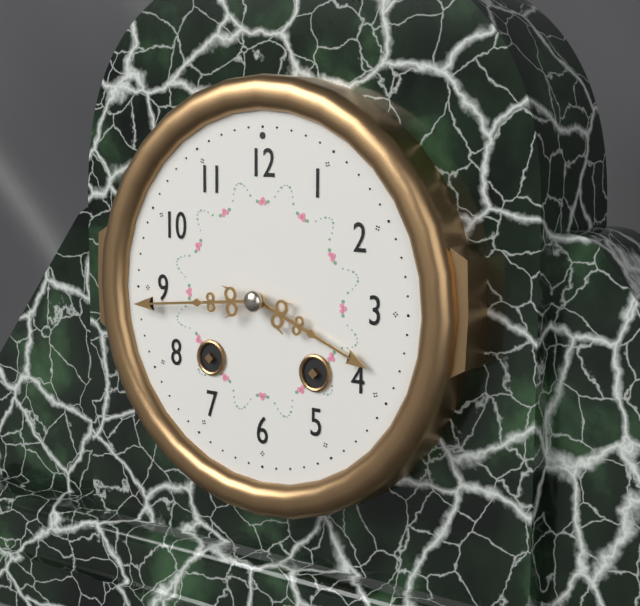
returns {"hour": 3, "minute": 44}
